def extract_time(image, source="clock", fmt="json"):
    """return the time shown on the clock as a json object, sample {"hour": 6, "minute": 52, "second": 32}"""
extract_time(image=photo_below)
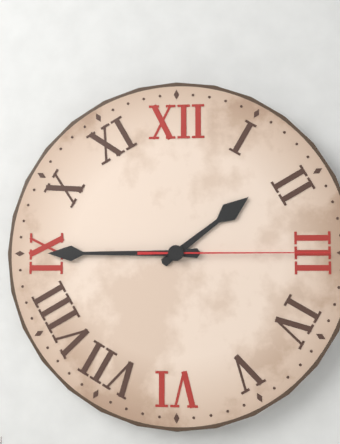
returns {"hour": 1, "minute": 45, "second": 15}
